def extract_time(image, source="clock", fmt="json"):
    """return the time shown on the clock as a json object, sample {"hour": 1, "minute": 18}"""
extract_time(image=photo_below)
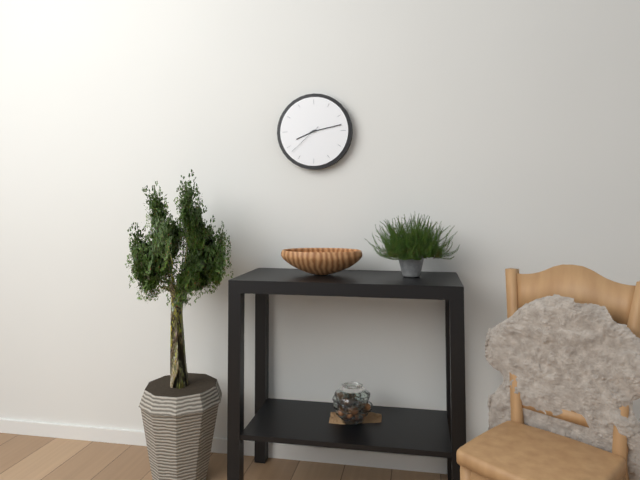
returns {"hour": 8, "minute": 13}
